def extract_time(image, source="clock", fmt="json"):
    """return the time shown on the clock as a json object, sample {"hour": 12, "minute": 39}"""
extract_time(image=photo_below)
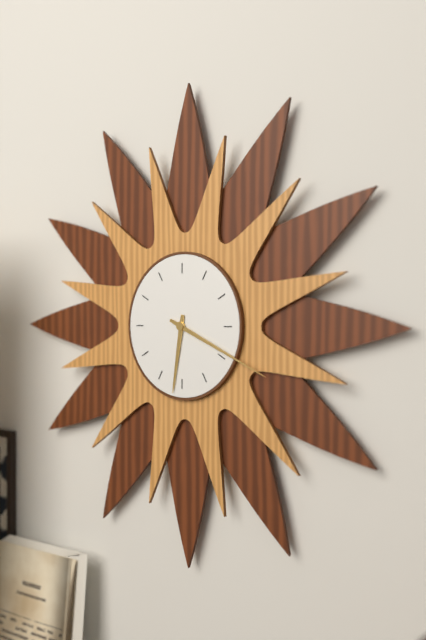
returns {"hour": 6, "minute": 19}
